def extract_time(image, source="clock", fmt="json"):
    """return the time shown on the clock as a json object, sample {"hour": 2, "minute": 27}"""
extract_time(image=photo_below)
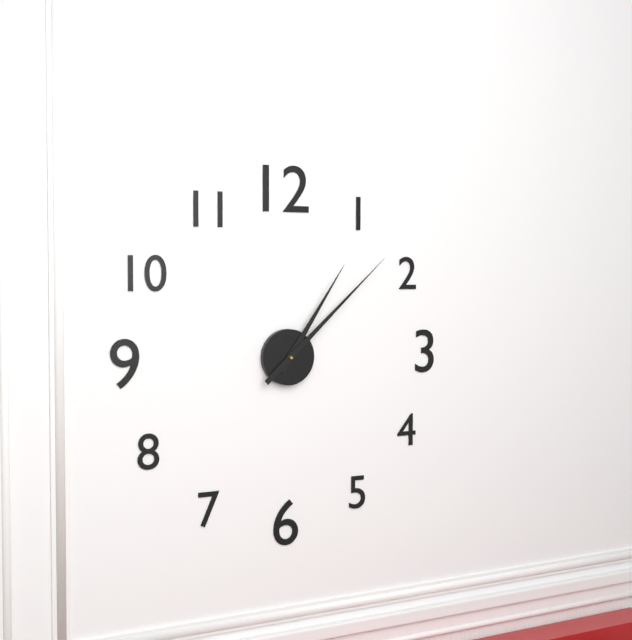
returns {"hour": 1, "minute": 8}
